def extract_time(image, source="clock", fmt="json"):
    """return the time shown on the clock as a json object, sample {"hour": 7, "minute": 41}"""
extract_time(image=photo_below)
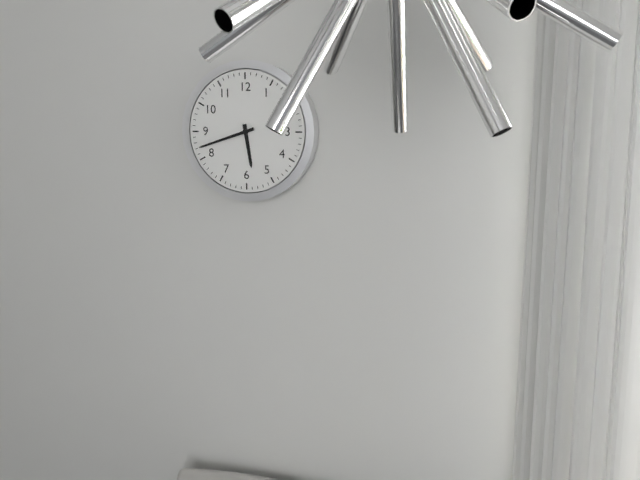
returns {"hour": 5, "minute": 42}
